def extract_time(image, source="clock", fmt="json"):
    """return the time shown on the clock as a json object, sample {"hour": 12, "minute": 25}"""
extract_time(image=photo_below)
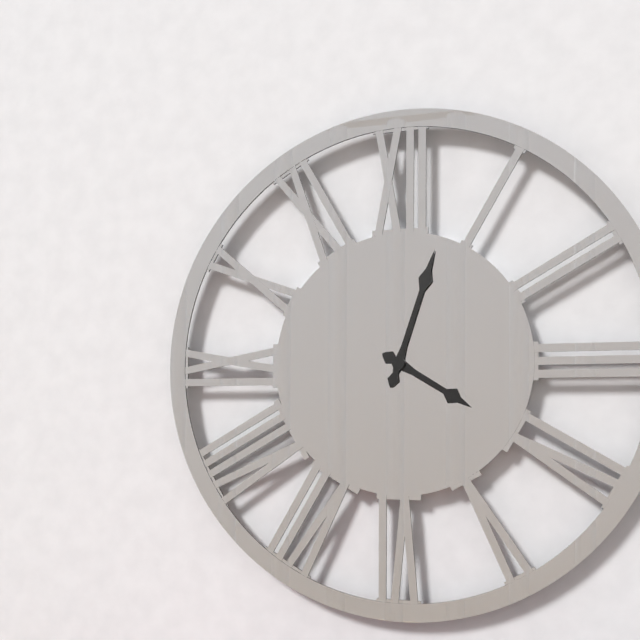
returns {"hour": 4, "minute": 3}
